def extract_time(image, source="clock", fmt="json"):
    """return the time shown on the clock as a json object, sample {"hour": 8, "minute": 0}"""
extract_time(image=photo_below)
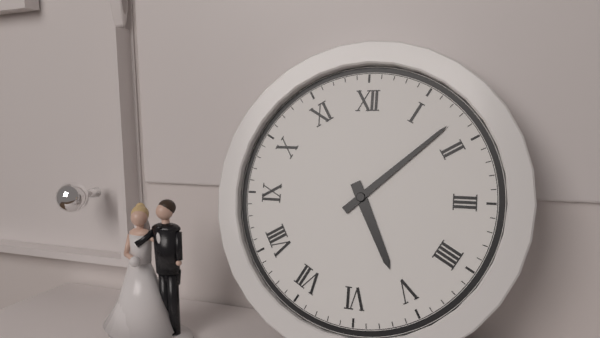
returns {"hour": 5, "minute": 8}
